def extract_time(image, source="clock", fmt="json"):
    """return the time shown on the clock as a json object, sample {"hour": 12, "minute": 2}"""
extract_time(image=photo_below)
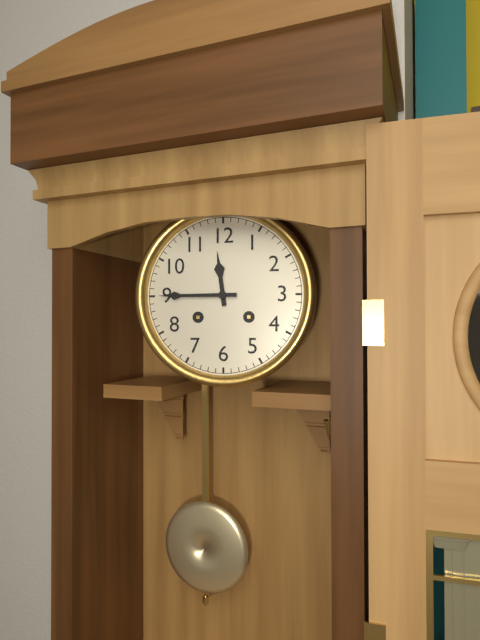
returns {"hour": 11, "minute": 45}
